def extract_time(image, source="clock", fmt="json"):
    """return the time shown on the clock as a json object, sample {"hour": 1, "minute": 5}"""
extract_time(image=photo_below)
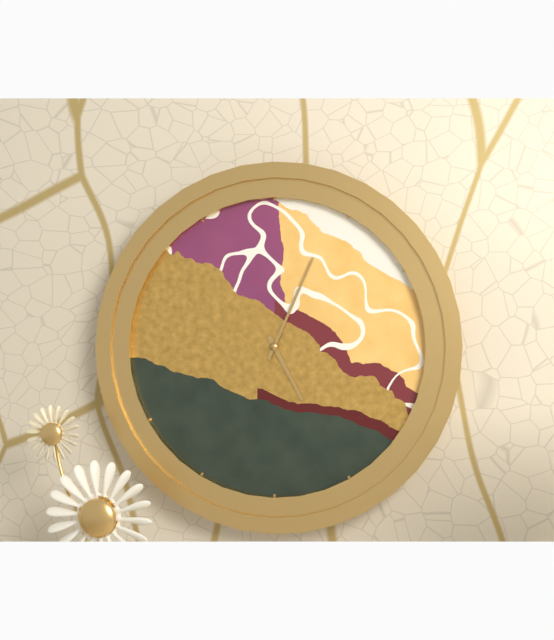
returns {"hour": 5, "minute": 4}
